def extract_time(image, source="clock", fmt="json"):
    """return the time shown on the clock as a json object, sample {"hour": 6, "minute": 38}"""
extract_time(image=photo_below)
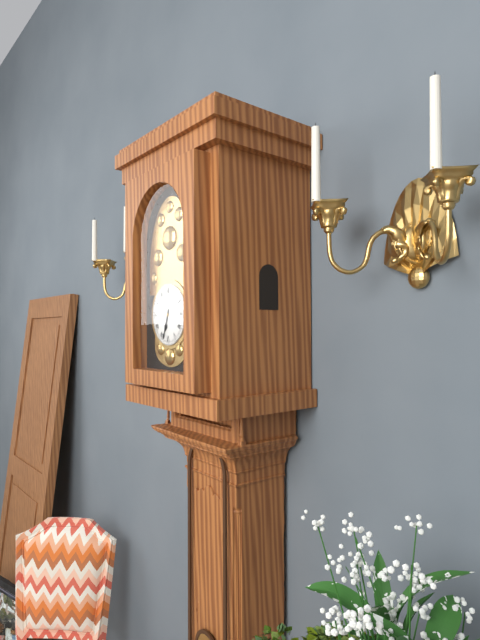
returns {"hour": 6, "minute": 33}
